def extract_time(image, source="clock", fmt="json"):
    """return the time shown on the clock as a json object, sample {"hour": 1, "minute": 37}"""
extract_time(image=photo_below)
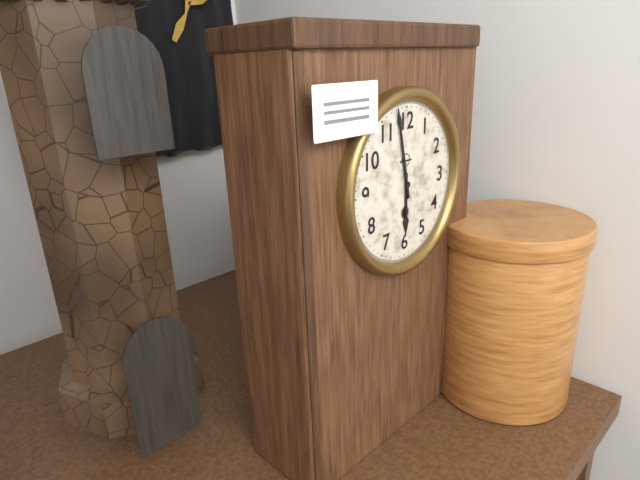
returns {"hour": 5, "minute": 58}
